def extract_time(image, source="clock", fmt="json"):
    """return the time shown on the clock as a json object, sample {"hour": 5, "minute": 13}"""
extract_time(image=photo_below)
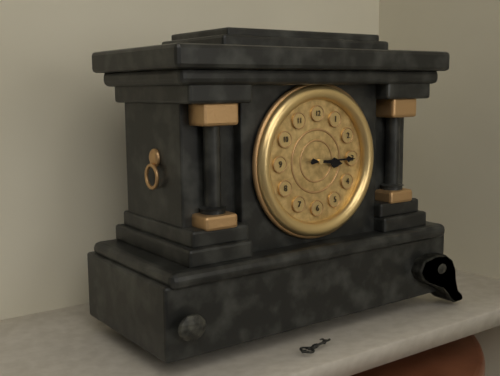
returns {"hour": 3, "minute": 15}
